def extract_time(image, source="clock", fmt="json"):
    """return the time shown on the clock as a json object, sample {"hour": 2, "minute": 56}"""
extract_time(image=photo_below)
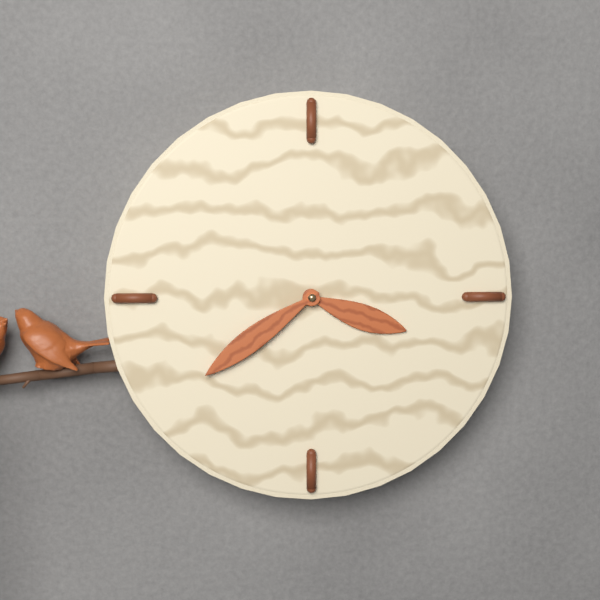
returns {"hour": 3, "minute": 39}
